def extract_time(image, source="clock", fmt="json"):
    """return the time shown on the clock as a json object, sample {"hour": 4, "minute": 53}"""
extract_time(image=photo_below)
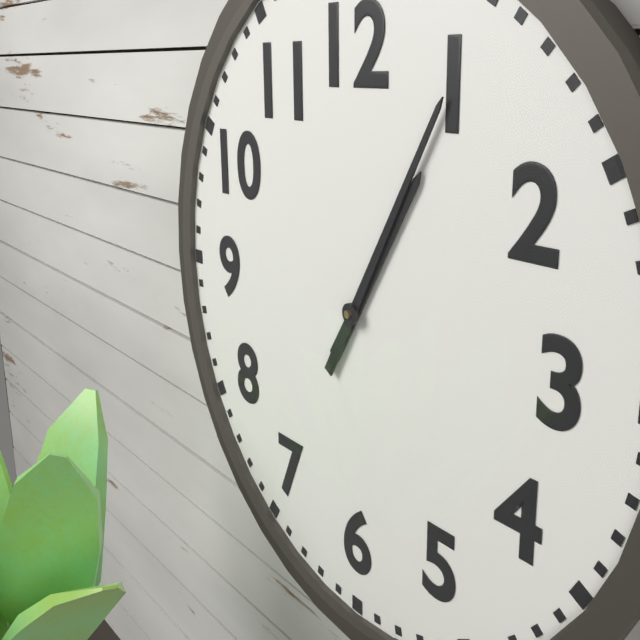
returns {"hour": 1, "minute": 5}
